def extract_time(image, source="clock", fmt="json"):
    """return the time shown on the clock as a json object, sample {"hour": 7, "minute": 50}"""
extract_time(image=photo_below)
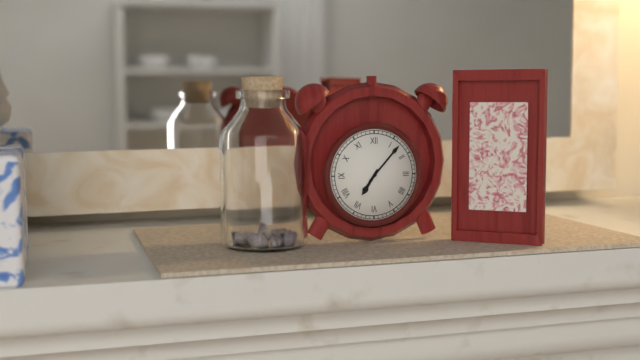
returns {"hour": 7, "minute": 7}
